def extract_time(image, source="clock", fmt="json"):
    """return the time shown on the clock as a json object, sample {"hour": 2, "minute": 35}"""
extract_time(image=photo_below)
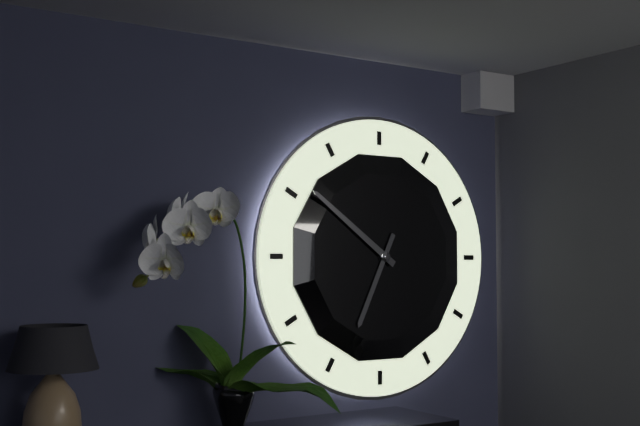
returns {"hour": 6, "minute": 51}
